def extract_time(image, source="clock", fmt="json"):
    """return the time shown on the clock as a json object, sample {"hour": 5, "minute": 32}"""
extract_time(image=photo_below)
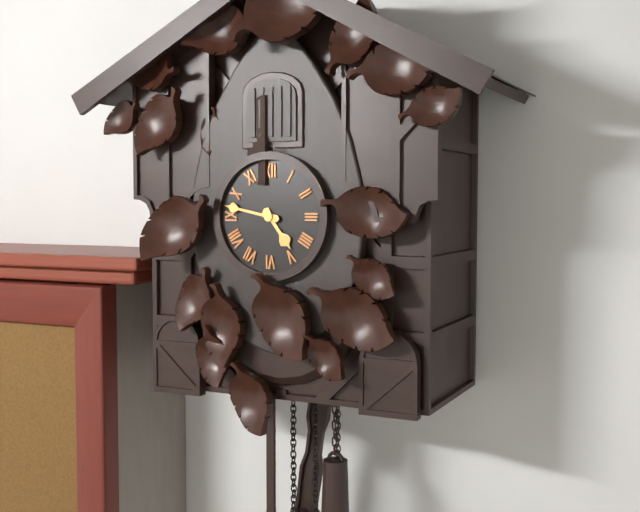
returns {"hour": 4, "minute": 47}
